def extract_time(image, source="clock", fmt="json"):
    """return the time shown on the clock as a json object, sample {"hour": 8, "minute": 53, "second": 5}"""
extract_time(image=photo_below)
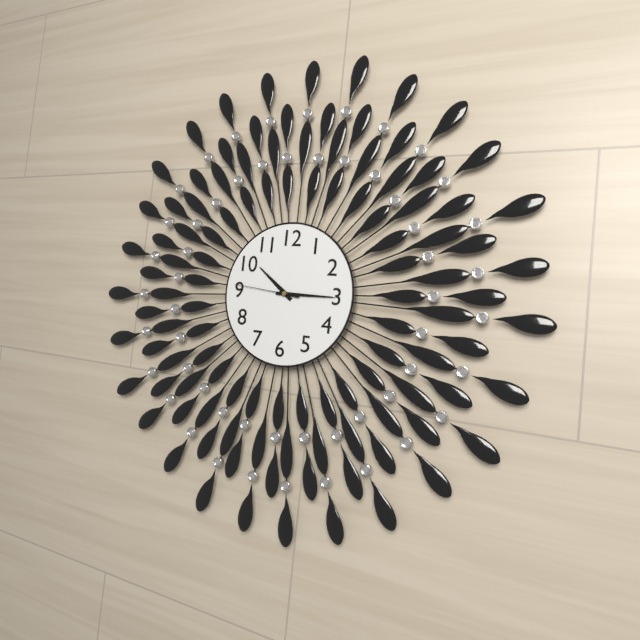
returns {"hour": 10, "minute": 15, "second": 46}
